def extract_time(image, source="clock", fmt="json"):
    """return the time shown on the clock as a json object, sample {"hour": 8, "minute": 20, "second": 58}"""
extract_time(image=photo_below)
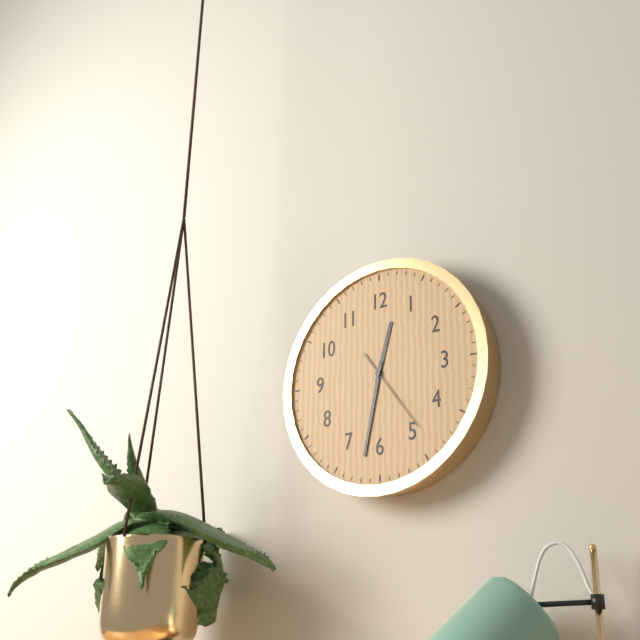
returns {"hour": 12, "minute": 32, "second": 24}
